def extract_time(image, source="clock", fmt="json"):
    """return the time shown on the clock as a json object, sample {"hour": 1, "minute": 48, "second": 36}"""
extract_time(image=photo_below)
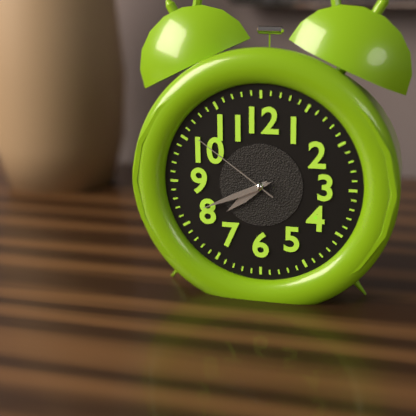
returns {"hour": 7, "minute": 41, "second": 51}
